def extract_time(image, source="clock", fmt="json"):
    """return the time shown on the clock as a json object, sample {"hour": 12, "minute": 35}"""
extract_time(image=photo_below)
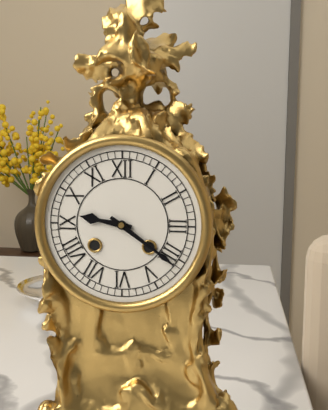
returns {"hour": 9, "minute": 21}
